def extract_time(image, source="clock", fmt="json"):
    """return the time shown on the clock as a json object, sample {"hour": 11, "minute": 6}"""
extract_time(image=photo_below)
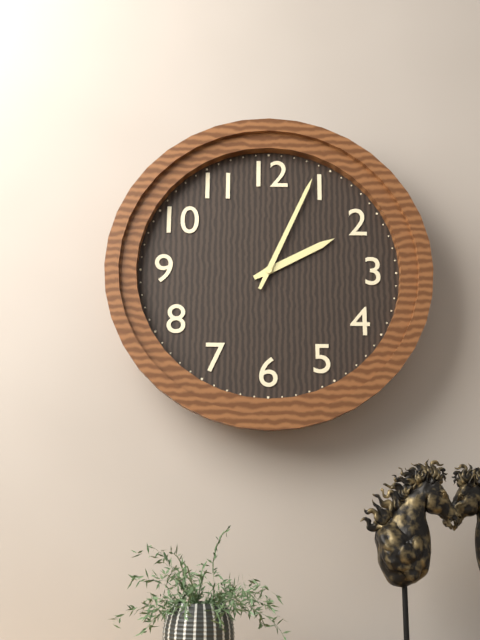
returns {"hour": 2, "minute": 4}
